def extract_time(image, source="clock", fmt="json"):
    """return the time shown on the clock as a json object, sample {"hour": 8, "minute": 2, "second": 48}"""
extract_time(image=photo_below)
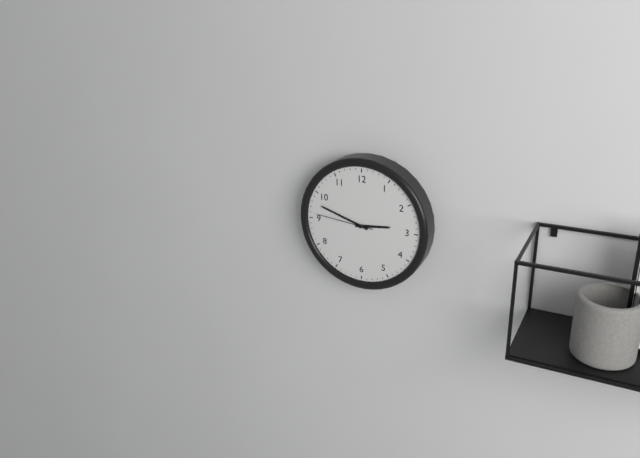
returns {"hour": 2, "minute": 48, "second": 46}
